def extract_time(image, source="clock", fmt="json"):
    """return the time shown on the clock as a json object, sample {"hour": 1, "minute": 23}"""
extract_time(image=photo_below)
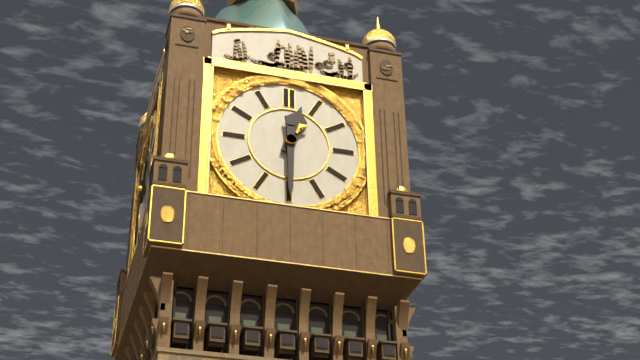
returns {"hour": 12, "minute": 30}
